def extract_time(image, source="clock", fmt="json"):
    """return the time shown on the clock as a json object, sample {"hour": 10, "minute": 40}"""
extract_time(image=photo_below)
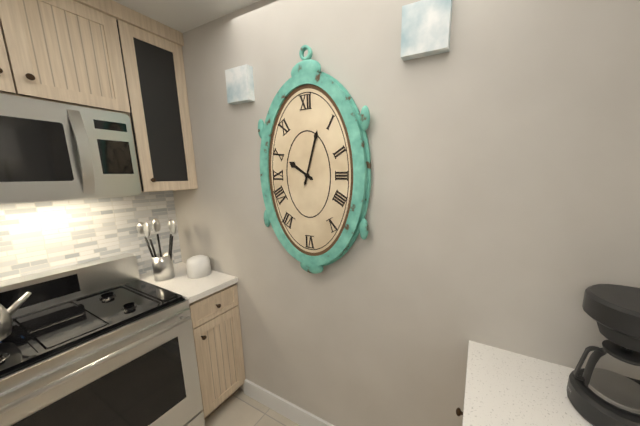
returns {"hour": 10, "minute": 3}
